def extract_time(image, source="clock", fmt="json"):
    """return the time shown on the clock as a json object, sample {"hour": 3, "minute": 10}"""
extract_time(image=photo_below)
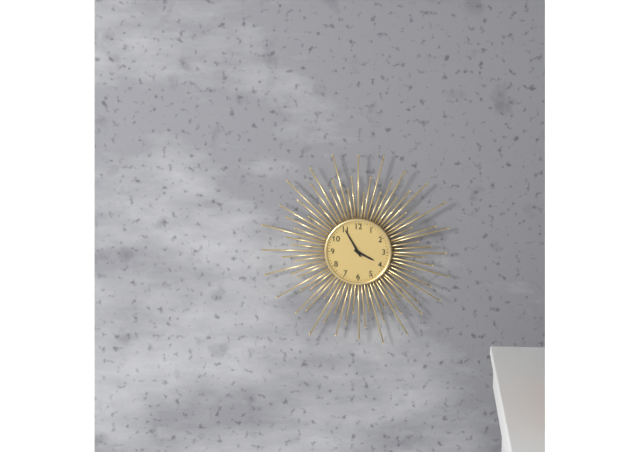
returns {"hour": 3, "minute": 55}
